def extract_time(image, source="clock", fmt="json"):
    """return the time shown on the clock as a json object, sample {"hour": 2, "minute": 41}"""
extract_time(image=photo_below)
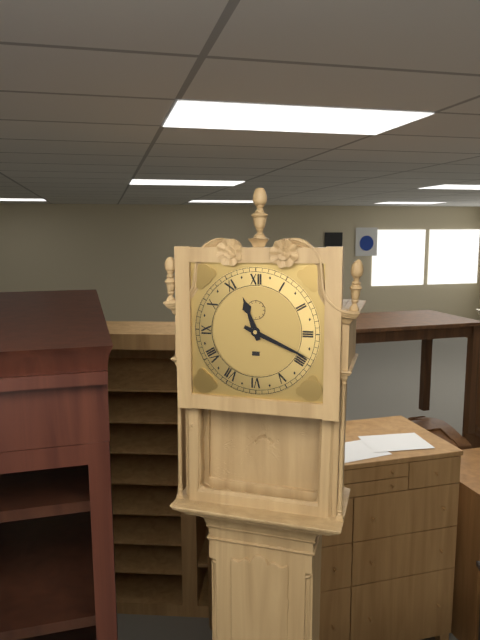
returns {"hour": 11, "minute": 19}
